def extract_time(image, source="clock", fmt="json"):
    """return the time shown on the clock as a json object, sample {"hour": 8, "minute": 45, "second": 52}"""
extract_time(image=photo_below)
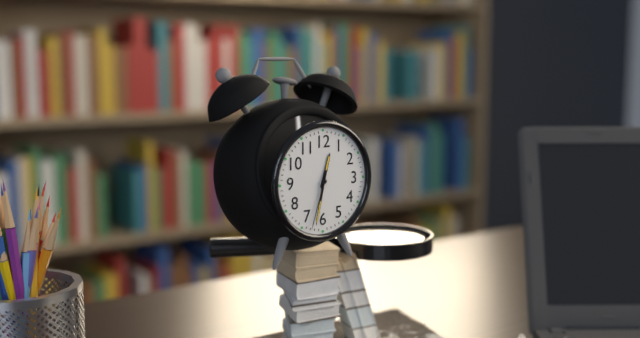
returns {"hour": 12, "minute": 32, "second": 33}
